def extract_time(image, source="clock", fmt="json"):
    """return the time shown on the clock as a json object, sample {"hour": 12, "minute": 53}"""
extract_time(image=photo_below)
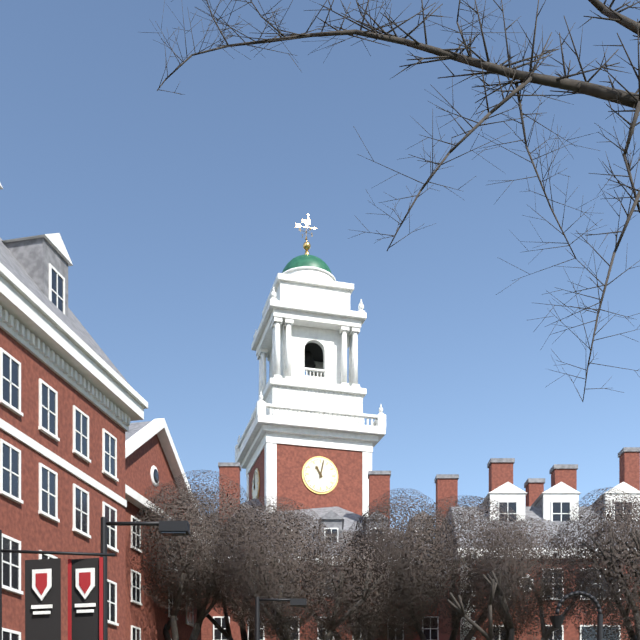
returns {"hour": 11, "minute": 2}
